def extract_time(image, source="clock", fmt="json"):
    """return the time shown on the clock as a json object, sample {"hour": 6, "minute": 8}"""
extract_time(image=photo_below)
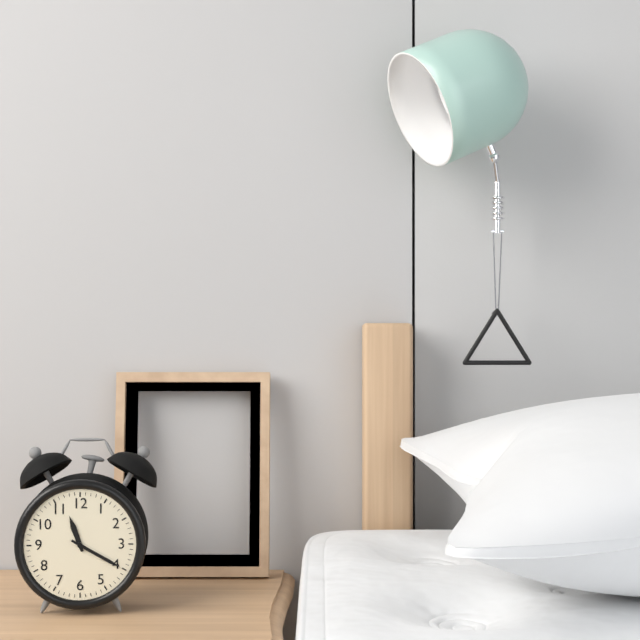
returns {"hour": 11, "minute": 20}
